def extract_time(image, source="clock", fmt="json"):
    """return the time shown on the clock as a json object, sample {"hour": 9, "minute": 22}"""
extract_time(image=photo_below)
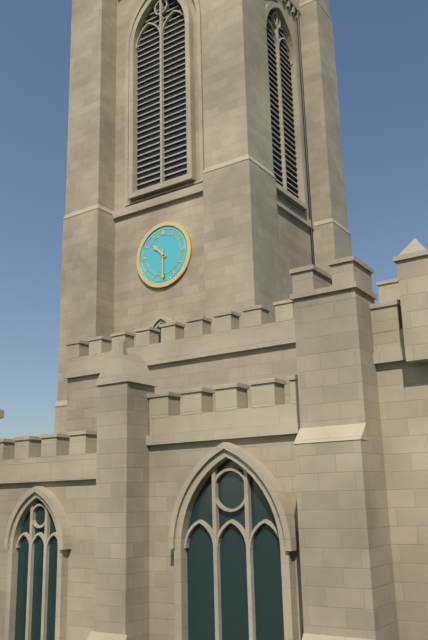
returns {"hour": 10, "minute": 30}
